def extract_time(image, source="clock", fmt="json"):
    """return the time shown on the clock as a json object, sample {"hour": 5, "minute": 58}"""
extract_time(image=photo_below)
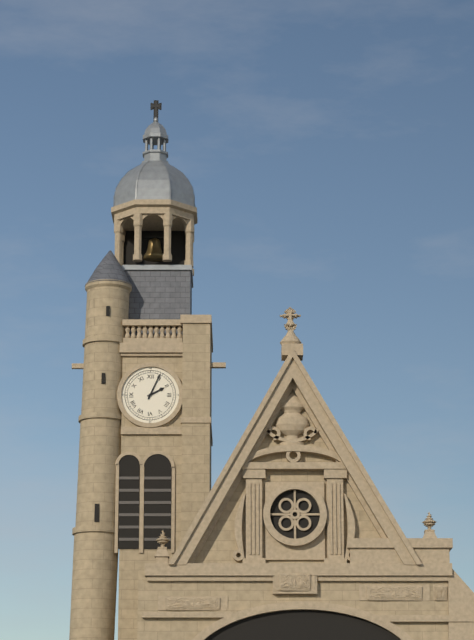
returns {"hour": 2, "minute": 4}
